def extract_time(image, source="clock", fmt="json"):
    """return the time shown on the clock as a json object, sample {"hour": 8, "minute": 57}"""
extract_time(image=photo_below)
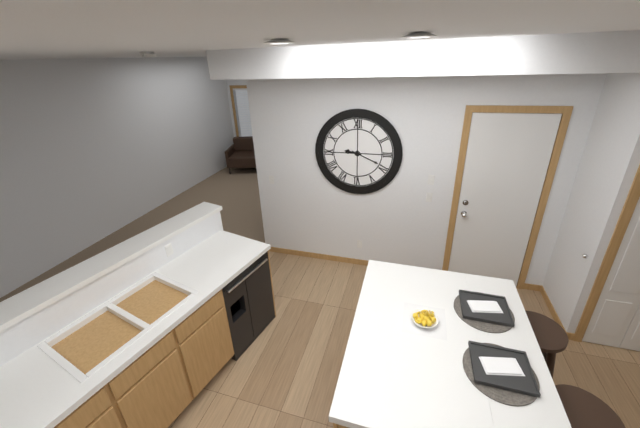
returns {"hour": 9, "minute": 19}
